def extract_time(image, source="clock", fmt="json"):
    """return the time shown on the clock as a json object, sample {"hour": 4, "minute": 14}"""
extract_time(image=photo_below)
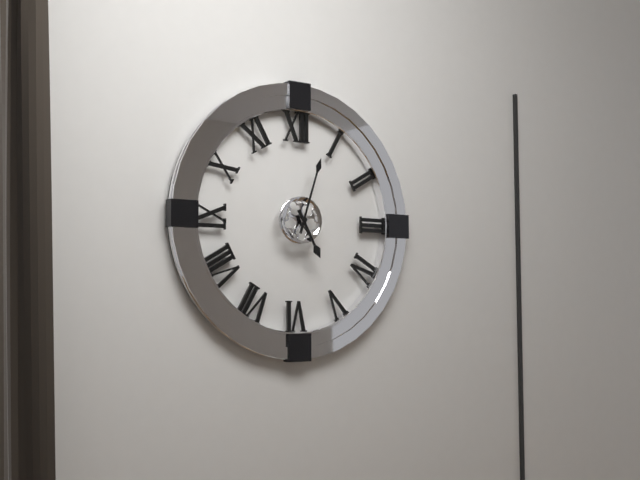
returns {"hour": 5, "minute": 3}
